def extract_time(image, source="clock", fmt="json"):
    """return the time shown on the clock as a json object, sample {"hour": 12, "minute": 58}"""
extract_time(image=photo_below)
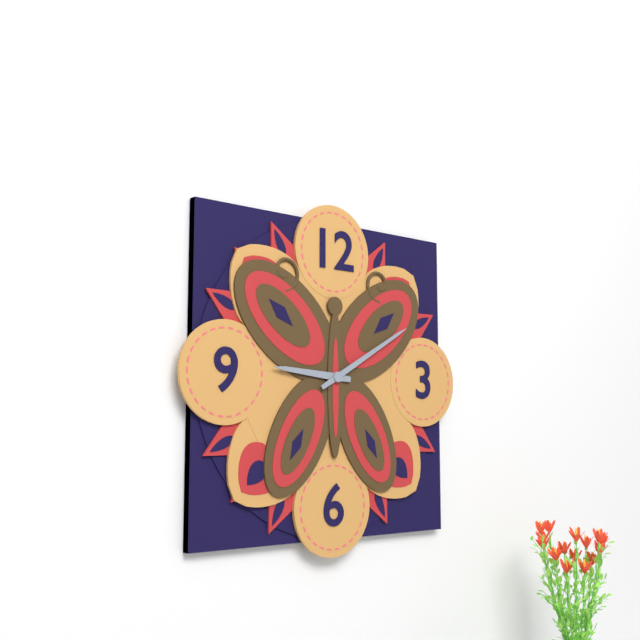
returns {"hour": 9, "minute": 10}
